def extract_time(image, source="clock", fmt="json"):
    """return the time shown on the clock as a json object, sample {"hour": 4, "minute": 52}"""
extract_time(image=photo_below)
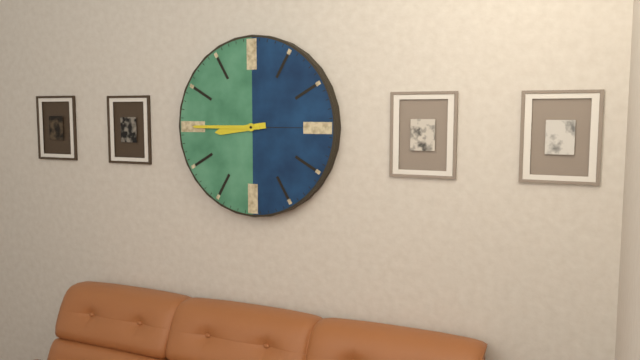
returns {"hour": 8, "minute": 45}
